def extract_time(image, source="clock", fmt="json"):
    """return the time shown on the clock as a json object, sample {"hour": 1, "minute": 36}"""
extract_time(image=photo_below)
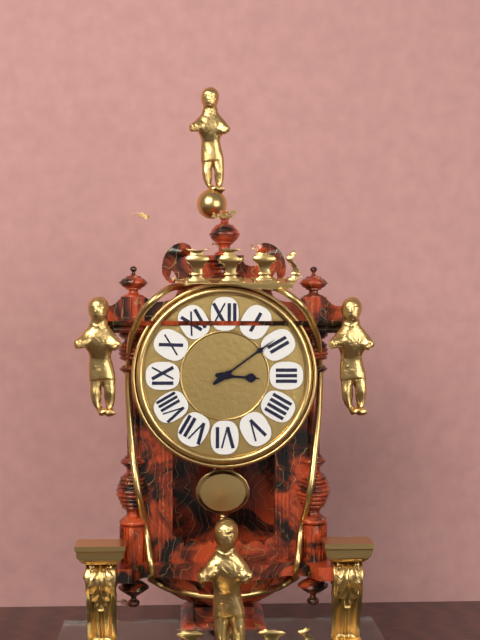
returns {"hour": 3, "minute": 9}
